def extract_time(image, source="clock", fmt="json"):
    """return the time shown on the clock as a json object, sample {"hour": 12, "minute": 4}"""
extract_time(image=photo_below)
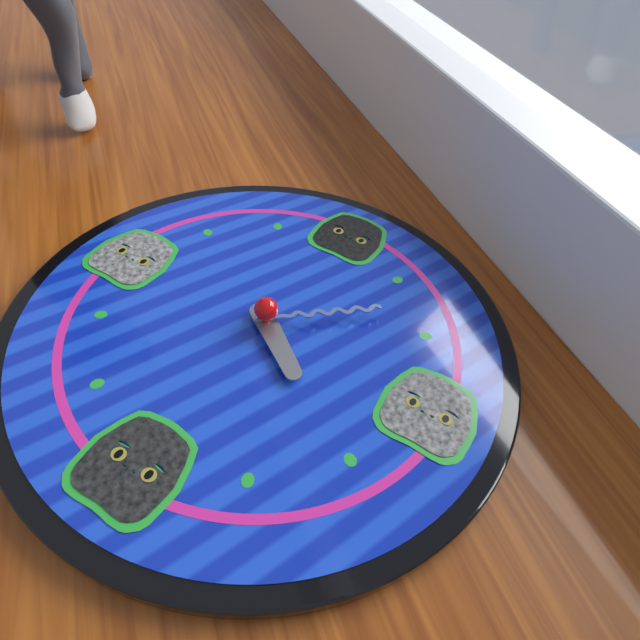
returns {"hour": 4, "minute": 8}
